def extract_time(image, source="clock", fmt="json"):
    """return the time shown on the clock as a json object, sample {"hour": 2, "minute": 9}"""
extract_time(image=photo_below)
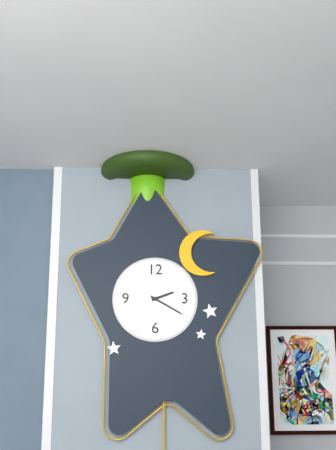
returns {"hour": 2, "minute": 20}
